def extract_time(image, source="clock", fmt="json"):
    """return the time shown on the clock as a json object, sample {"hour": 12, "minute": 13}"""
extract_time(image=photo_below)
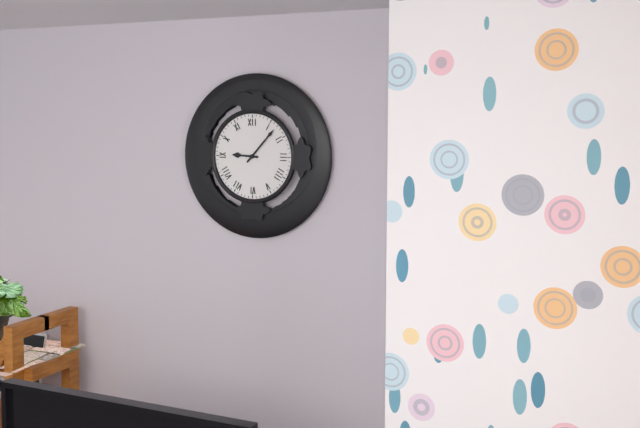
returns {"hour": 9, "minute": 7}
